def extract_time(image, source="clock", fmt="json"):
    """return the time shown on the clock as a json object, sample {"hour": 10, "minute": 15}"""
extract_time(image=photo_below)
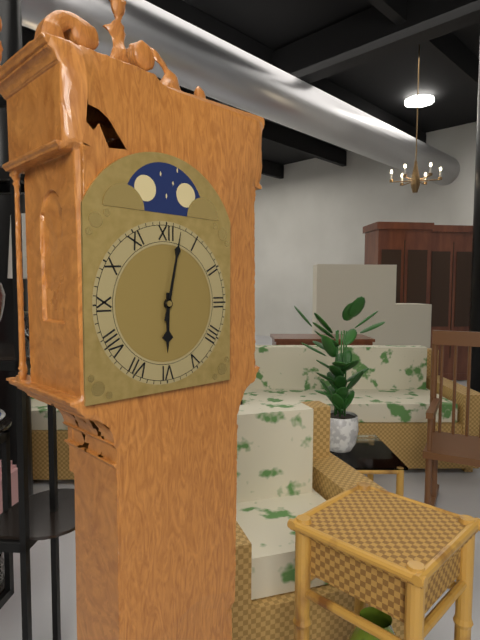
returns {"hour": 6, "minute": 2}
